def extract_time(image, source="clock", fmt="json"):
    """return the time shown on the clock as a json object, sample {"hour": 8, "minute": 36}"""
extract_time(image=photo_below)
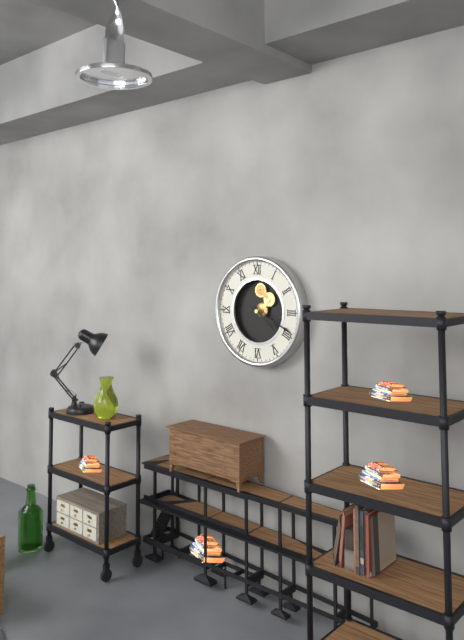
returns {"hour": 4, "minute": 19}
